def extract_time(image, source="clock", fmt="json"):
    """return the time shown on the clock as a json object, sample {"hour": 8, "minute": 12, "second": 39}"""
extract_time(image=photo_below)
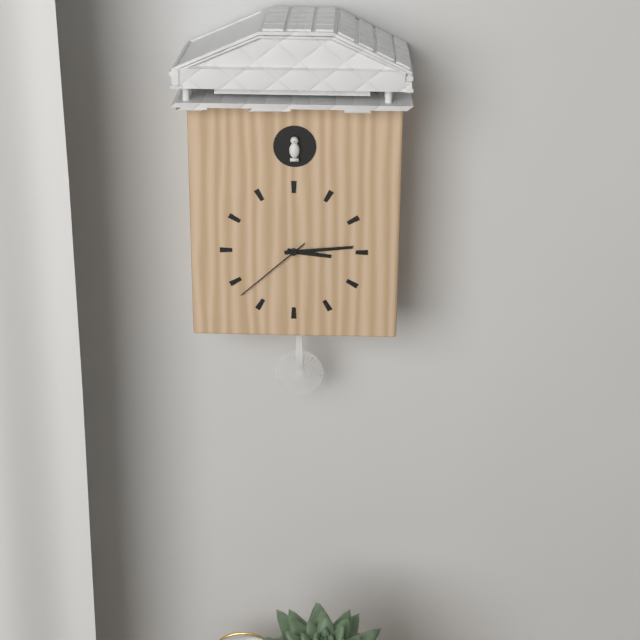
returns {"hour": 3, "minute": 14, "second": 38}
